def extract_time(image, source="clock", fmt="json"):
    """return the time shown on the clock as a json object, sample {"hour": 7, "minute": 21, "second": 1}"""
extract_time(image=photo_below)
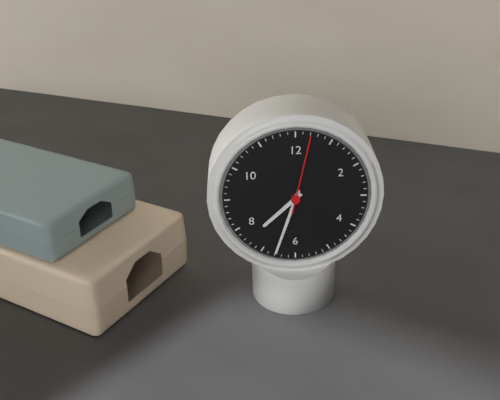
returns {"hour": 7, "minute": 33, "second": 2}
